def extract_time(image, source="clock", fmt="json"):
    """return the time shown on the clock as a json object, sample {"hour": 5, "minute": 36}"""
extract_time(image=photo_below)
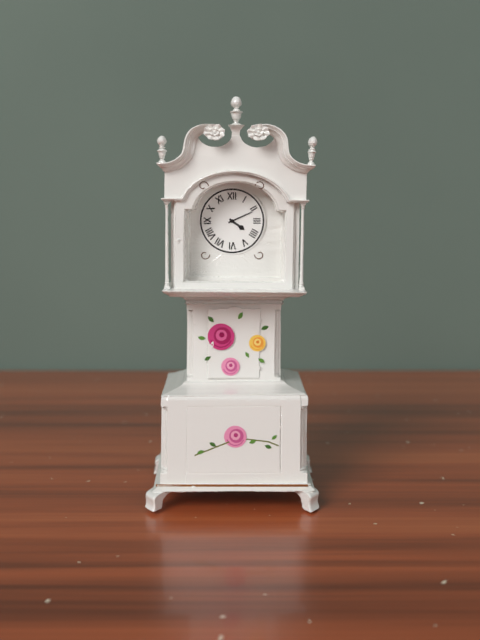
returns {"hour": 4, "minute": 11}
